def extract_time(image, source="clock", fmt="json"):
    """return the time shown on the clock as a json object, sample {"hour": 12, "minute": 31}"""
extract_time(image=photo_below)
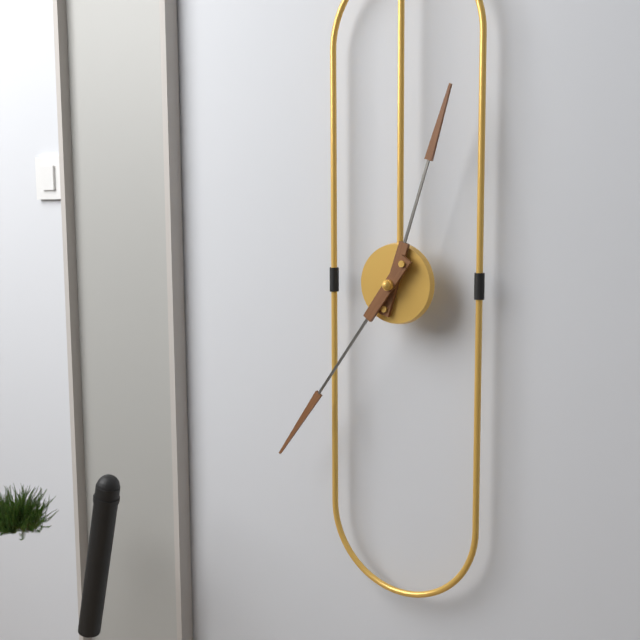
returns {"hour": 12, "minute": 36}
